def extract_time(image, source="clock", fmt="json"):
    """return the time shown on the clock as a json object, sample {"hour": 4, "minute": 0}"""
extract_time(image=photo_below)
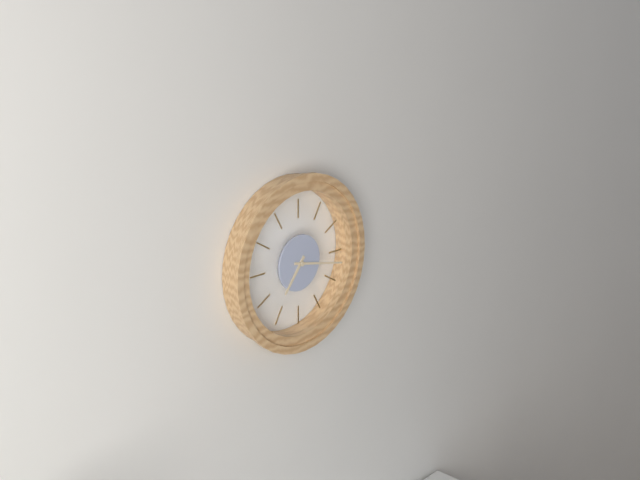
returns {"hour": 7, "minute": 17}
